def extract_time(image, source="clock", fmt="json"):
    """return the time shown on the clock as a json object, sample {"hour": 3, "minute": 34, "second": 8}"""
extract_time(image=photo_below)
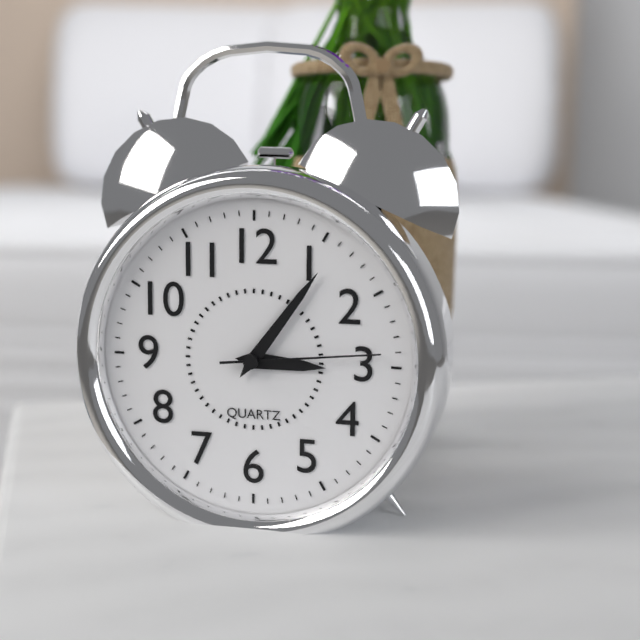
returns {"hour": 3, "minute": 6, "second": 14}
